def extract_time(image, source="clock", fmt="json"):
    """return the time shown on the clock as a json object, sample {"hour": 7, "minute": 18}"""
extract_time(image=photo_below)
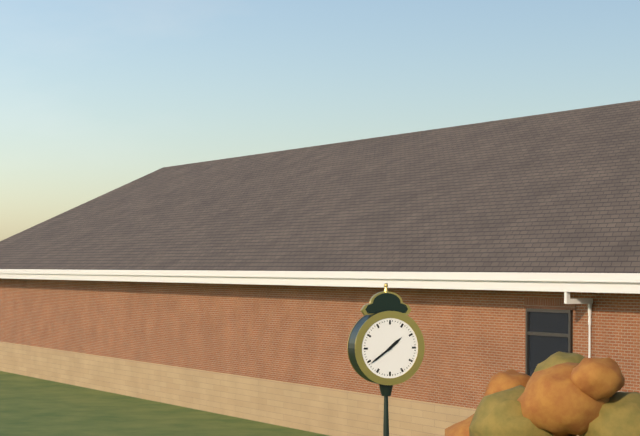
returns {"hour": 1, "minute": 39}
